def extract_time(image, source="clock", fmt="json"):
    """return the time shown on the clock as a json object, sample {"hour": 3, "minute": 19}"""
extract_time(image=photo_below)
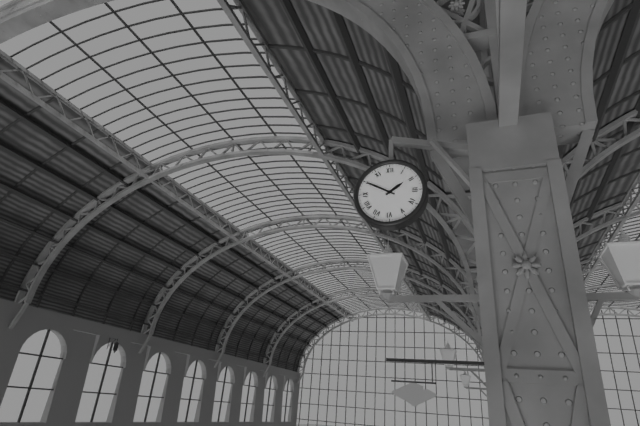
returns {"hour": 1, "minute": 50}
